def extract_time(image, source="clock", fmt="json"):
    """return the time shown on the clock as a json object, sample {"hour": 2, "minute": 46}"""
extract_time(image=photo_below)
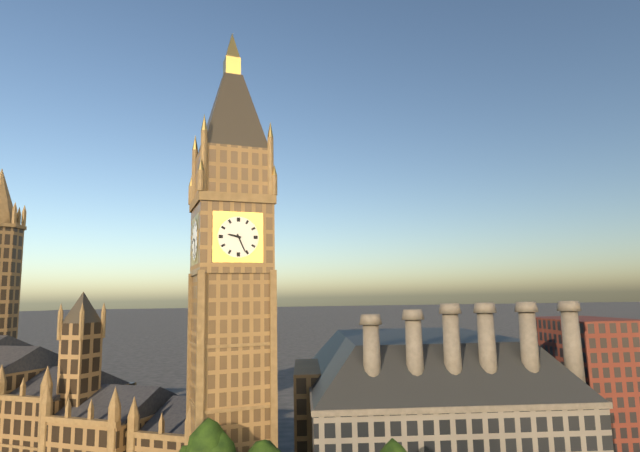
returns {"hour": 9, "minute": 26}
